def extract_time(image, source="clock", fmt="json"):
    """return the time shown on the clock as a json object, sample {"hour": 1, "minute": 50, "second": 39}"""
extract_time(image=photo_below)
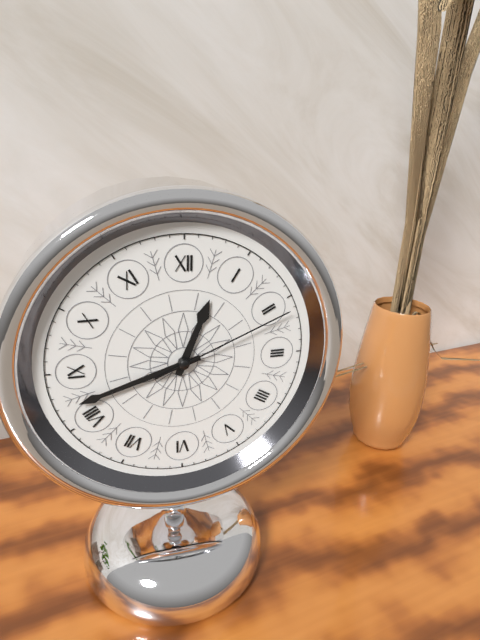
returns {"hour": 12, "minute": 42, "second": 11}
